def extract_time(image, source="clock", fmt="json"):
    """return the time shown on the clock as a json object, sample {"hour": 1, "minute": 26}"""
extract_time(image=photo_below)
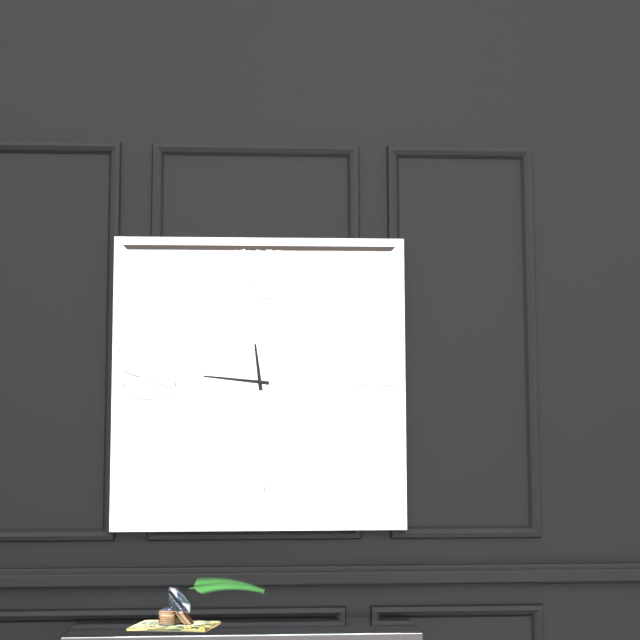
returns {"hour": 11, "minute": 46}
